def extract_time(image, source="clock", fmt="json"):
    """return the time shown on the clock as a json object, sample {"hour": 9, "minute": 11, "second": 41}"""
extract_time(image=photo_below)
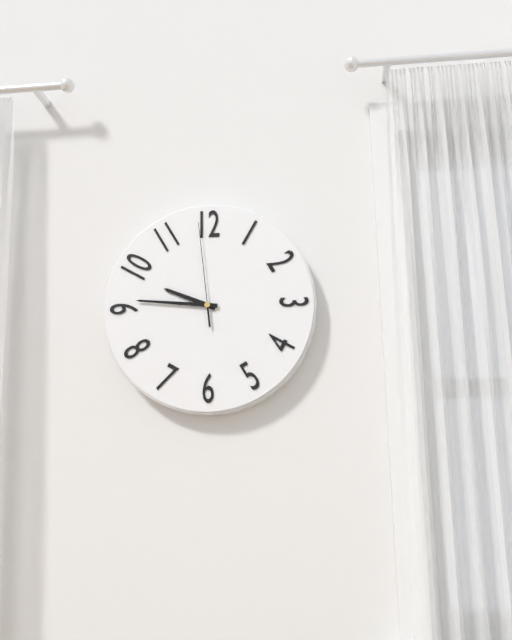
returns {"hour": 9, "minute": 46, "second": 59}
